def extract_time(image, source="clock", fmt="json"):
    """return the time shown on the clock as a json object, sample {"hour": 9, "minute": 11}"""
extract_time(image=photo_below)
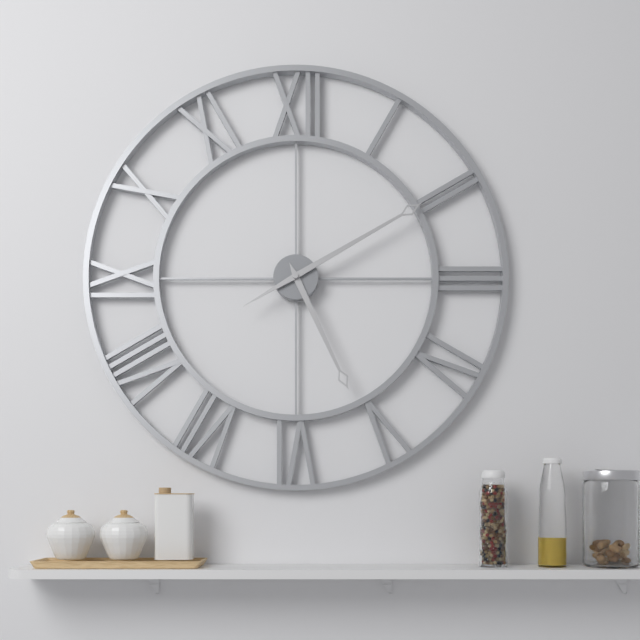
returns {"hour": 5, "minute": 10}
